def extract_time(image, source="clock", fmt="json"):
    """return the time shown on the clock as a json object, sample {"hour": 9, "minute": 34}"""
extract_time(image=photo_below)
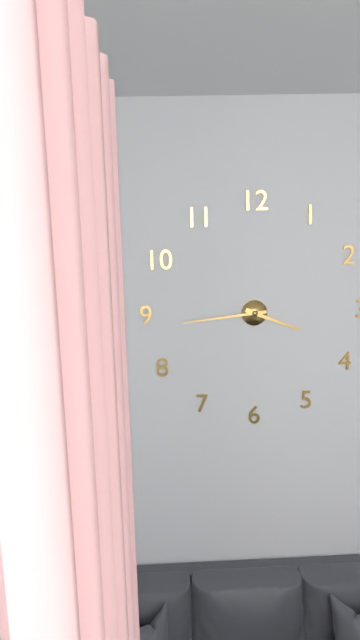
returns {"hour": 3, "minute": 44}
